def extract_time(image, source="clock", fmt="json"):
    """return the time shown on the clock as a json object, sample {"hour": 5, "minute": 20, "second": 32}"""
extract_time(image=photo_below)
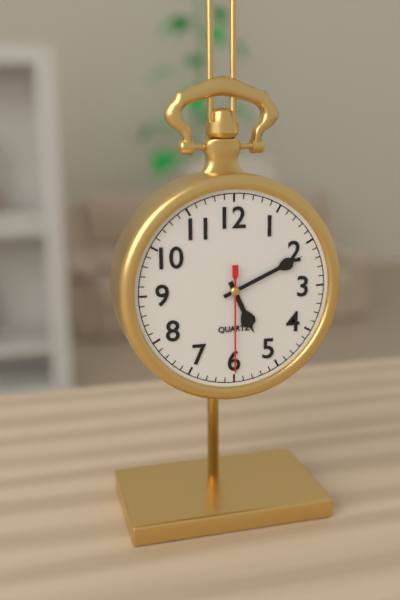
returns {"hour": 5, "minute": 11, "second": 30}
